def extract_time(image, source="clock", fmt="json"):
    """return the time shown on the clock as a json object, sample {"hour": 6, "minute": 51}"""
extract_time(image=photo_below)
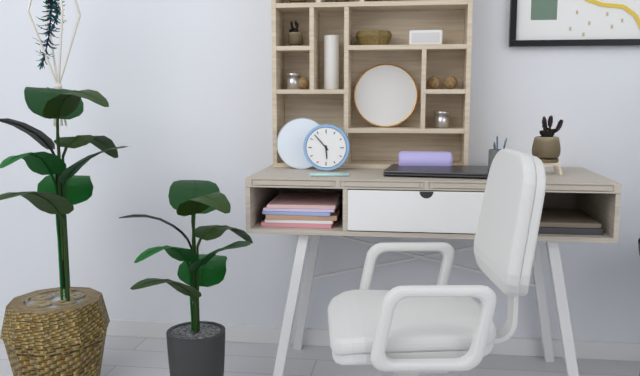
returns {"hour": 5, "minute": 53}
